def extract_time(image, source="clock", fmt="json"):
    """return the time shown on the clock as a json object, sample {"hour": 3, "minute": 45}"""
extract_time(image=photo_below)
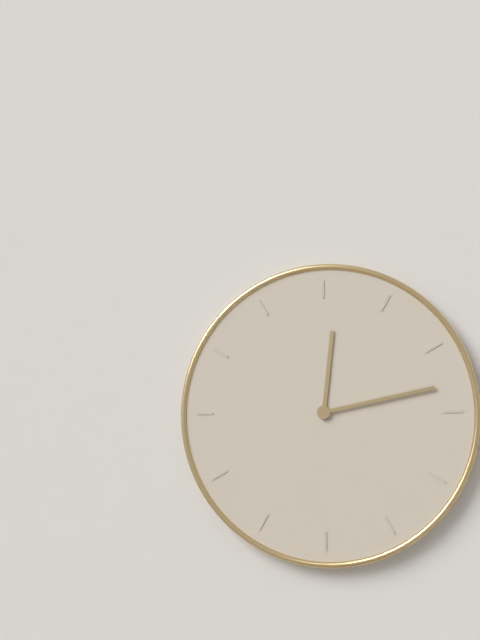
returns {"hour": 12, "minute": 13}
